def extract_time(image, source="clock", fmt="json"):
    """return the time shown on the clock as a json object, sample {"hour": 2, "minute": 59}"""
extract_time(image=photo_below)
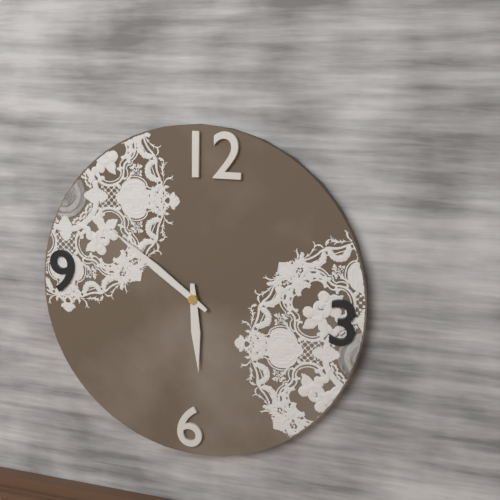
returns {"hour": 5, "minute": 51}
